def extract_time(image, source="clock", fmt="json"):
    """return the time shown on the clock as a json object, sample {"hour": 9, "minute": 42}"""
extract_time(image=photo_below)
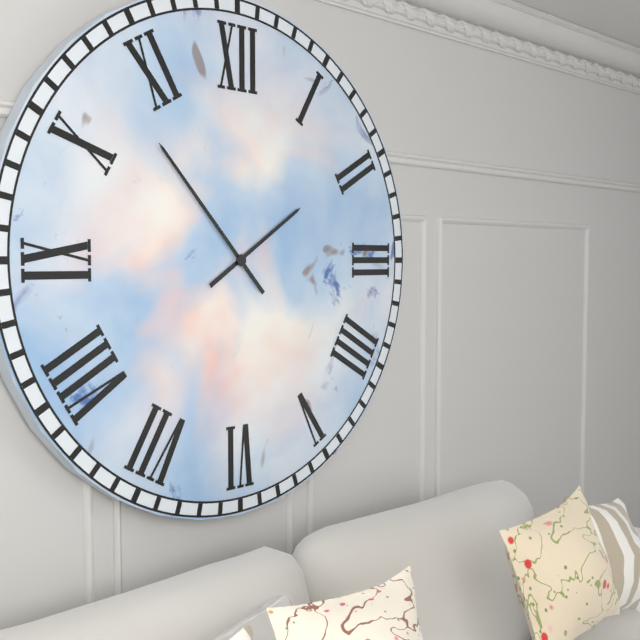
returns {"hour": 1, "minute": 53}
